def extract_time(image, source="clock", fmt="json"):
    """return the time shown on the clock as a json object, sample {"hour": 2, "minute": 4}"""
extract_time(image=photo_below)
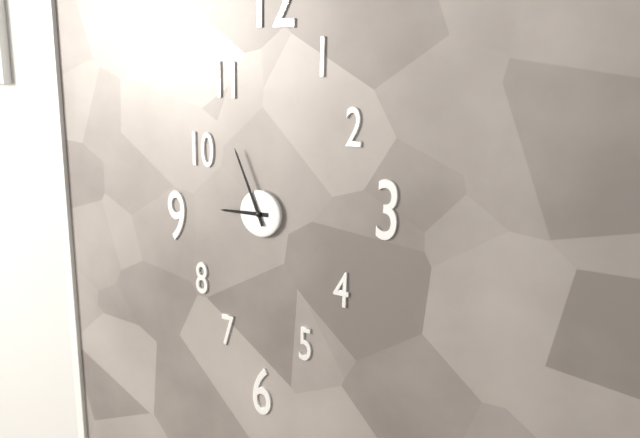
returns {"hour": 8, "minute": 56}
